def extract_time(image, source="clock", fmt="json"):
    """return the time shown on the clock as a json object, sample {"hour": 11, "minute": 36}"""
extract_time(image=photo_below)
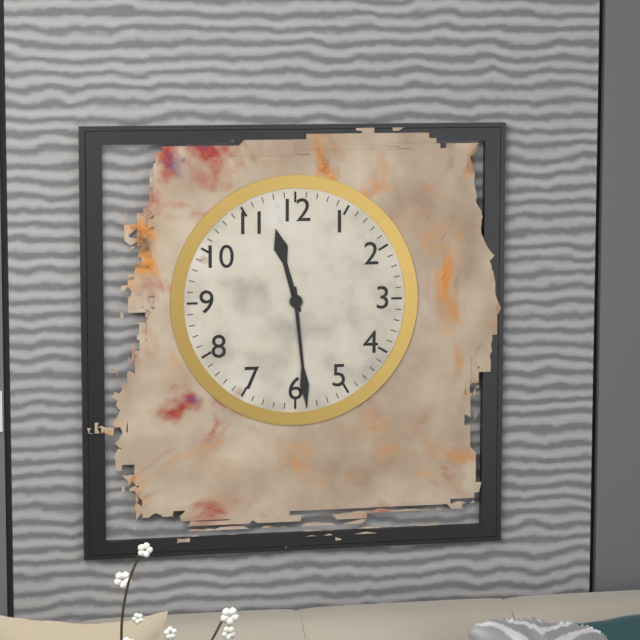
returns {"hour": 11, "minute": 29}
